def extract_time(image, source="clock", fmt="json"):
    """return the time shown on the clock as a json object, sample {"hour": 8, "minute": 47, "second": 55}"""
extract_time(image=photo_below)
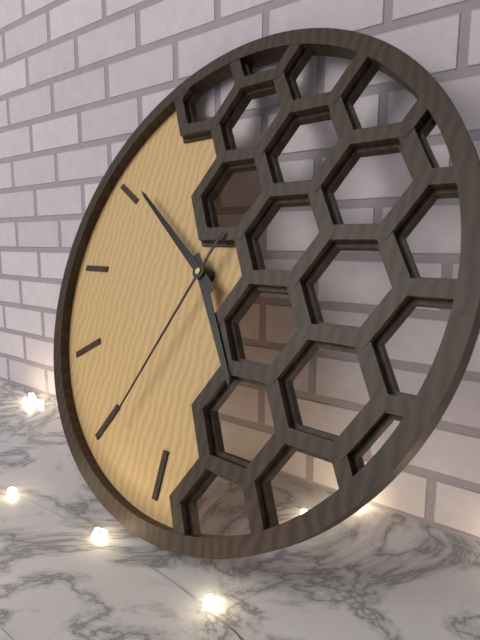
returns {"hour": 4, "minute": 51, "second": 34}
